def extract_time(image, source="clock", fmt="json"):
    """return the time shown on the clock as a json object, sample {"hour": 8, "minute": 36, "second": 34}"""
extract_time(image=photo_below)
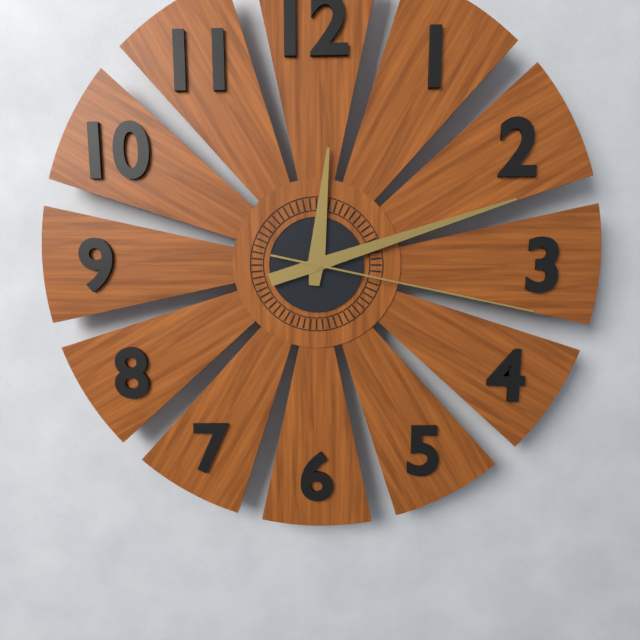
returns {"hour": 12, "minute": 12, "second": 17}
